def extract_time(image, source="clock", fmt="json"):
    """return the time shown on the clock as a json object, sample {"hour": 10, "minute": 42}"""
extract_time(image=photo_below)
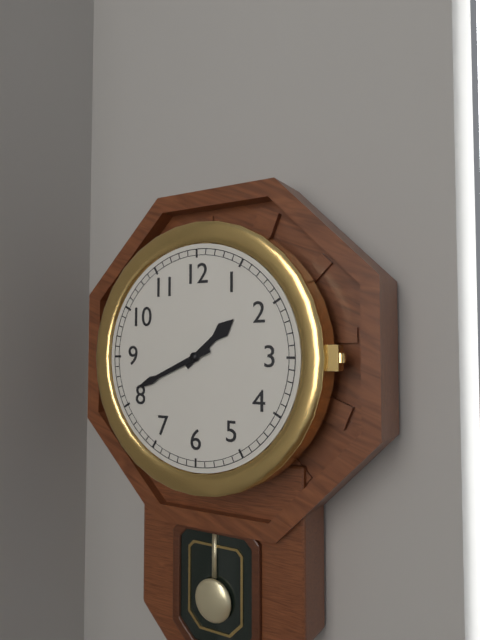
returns {"hour": 1, "minute": 41}
